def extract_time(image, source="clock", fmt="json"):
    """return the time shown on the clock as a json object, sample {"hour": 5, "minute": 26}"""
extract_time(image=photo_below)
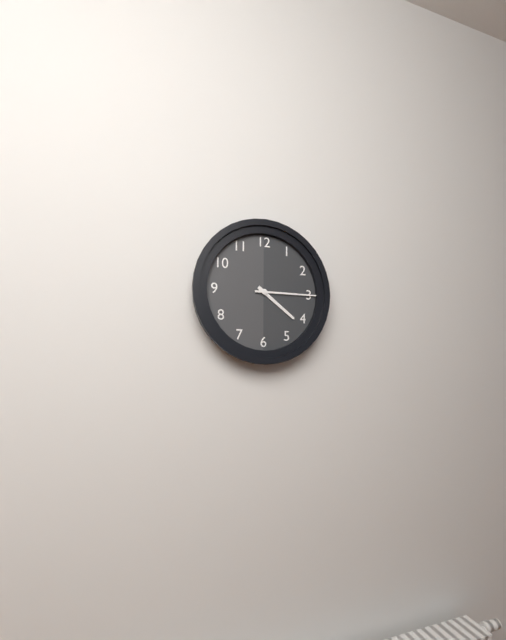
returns {"hour": 4, "minute": 15}
